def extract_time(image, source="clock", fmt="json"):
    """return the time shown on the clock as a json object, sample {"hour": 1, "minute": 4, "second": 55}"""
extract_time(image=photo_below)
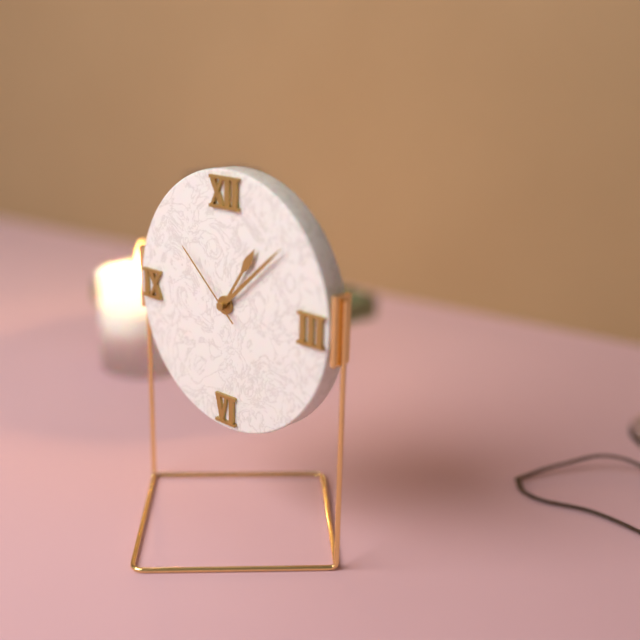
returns {"hour": 1, "minute": 8, "second": 52}
